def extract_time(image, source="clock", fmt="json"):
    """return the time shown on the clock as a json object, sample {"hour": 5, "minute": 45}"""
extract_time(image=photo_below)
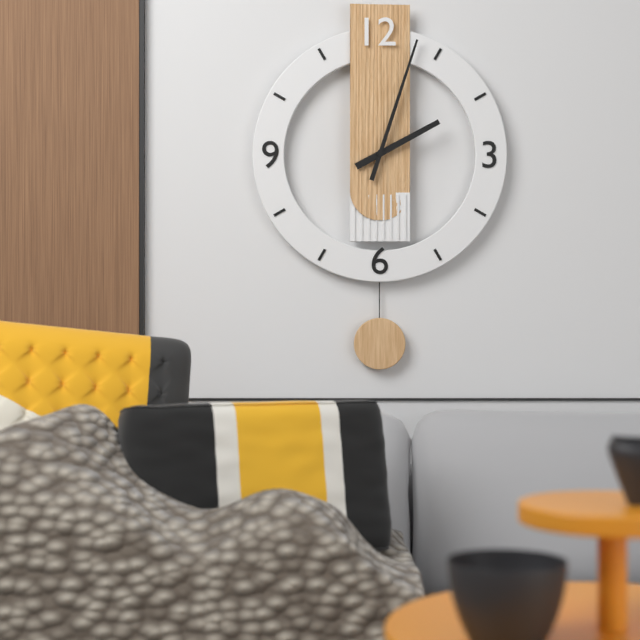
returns {"hour": 2, "minute": 3}
